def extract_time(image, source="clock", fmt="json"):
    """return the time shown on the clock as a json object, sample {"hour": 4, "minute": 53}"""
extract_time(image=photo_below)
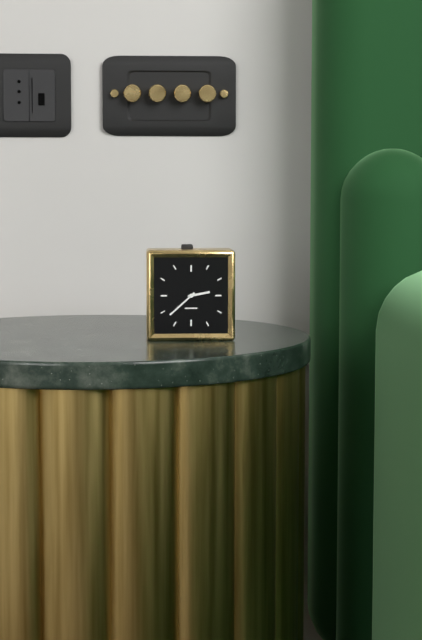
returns {"hour": 2, "minute": 38}
